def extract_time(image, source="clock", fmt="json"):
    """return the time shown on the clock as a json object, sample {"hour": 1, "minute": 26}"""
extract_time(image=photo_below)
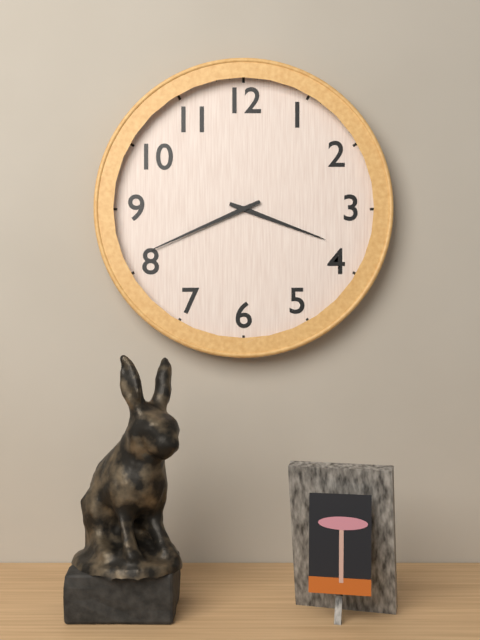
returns {"hour": 3, "minute": 41}
